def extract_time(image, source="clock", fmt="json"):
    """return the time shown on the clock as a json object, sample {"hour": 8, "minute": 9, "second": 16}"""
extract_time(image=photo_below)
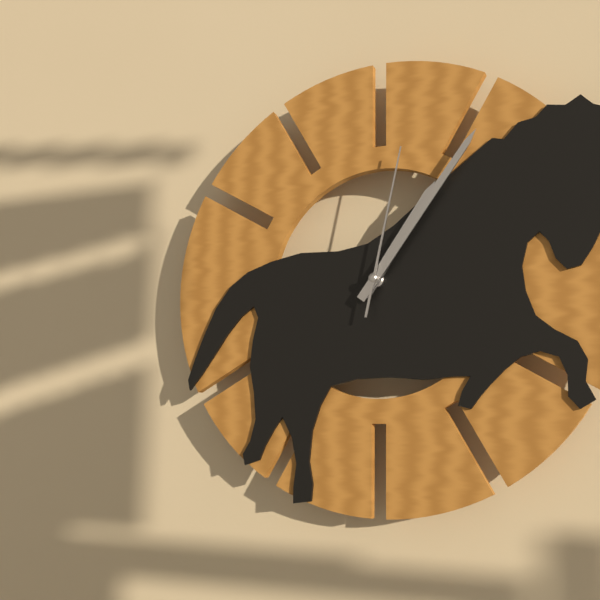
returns {"hour": 1, "minute": 6, "second": 2}
